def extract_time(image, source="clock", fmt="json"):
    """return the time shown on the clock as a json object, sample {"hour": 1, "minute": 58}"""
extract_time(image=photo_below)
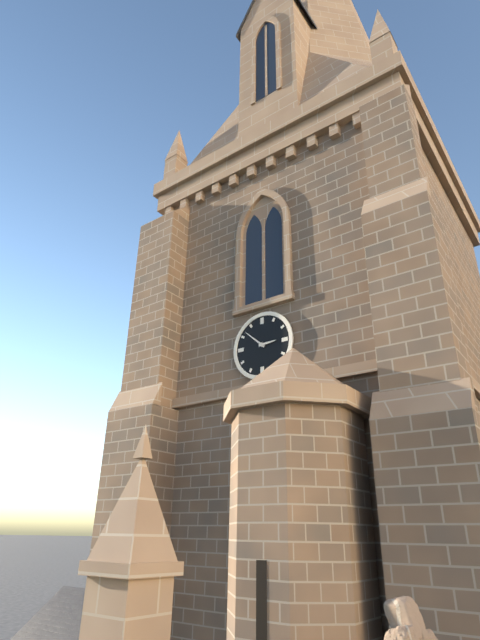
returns {"hour": 2, "minute": 52}
